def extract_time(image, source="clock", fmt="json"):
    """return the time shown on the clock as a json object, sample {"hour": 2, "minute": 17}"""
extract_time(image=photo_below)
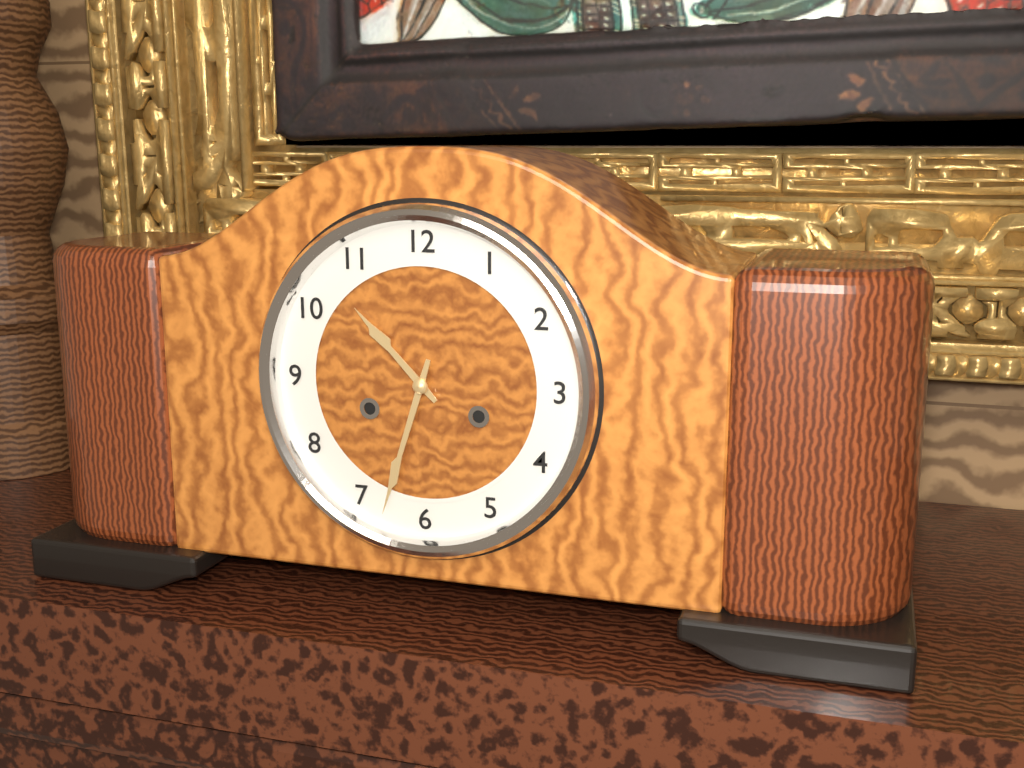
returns {"hour": 10, "minute": 33}
